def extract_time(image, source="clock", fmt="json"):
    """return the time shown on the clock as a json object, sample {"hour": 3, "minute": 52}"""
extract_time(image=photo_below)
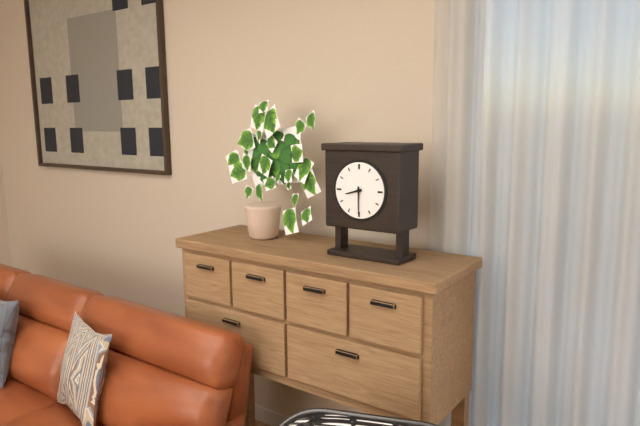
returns {"hour": 8, "minute": 30}
